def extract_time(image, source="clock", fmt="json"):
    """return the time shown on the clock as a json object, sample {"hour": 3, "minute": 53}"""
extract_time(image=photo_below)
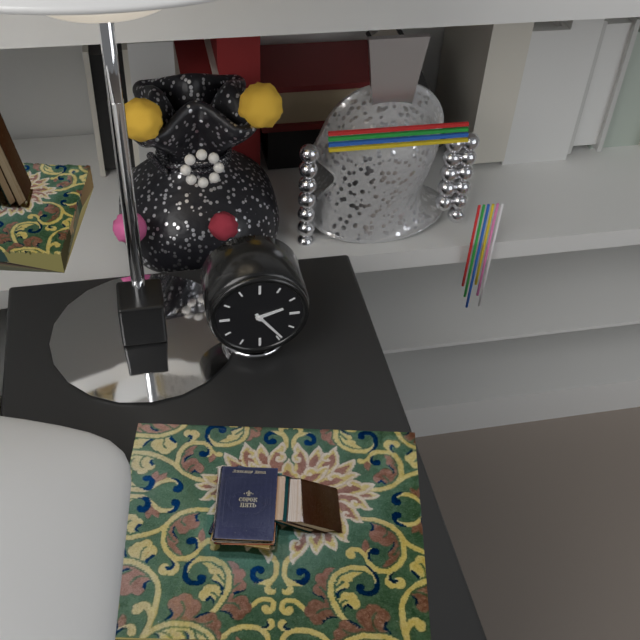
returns {"hour": 2, "minute": 24}
